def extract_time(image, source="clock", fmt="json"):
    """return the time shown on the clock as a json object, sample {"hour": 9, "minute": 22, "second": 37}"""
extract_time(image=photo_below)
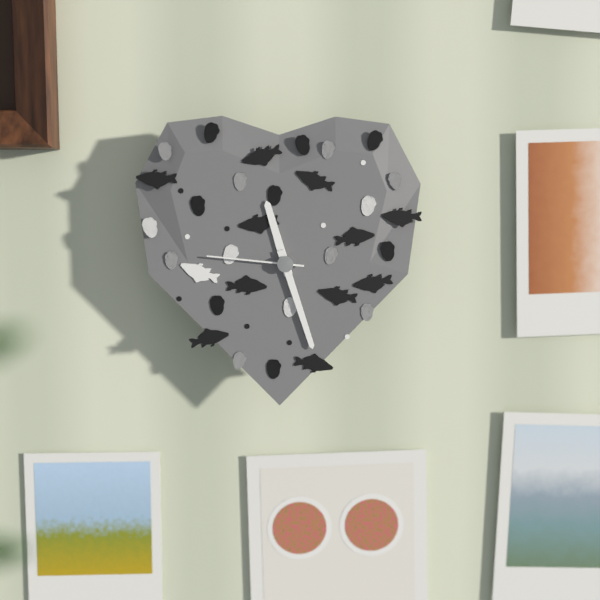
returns {"hour": 11, "minute": 27, "second": 46}
